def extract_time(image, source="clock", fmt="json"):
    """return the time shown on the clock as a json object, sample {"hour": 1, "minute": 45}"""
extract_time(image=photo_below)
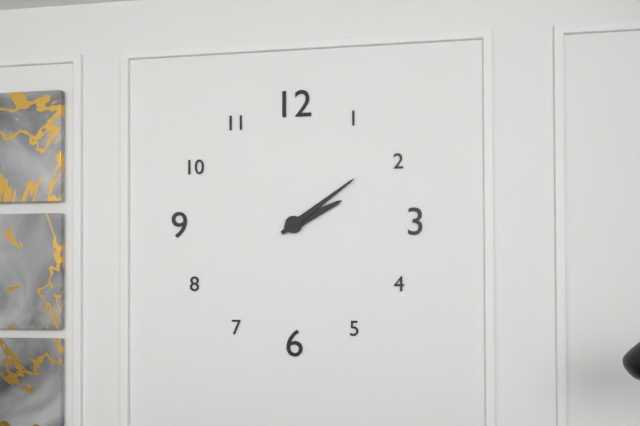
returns {"hour": 2, "minute": 9}
